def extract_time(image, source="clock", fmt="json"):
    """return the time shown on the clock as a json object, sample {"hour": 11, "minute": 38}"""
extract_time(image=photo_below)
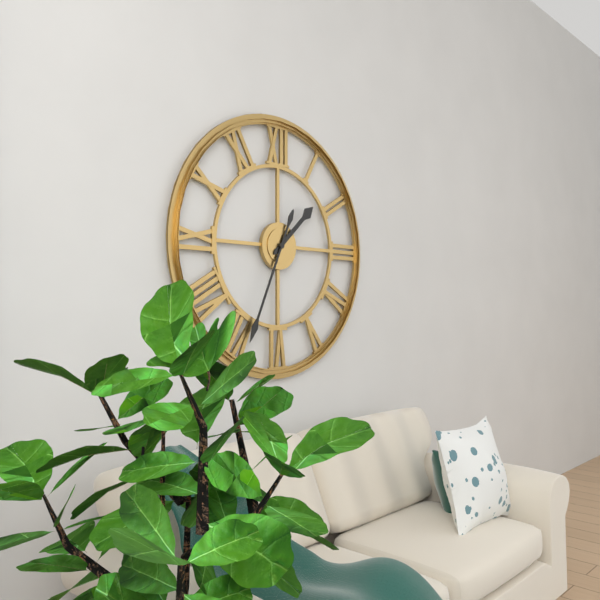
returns {"hour": 1, "minute": 34}
